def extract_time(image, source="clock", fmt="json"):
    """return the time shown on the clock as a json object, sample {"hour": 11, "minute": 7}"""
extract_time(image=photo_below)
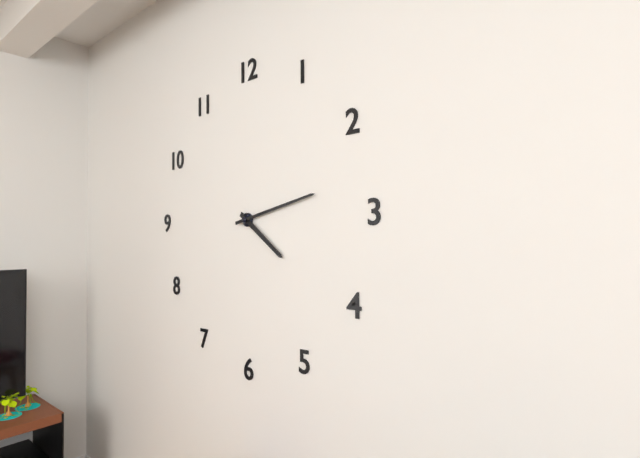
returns {"hour": 4, "minute": 13}
